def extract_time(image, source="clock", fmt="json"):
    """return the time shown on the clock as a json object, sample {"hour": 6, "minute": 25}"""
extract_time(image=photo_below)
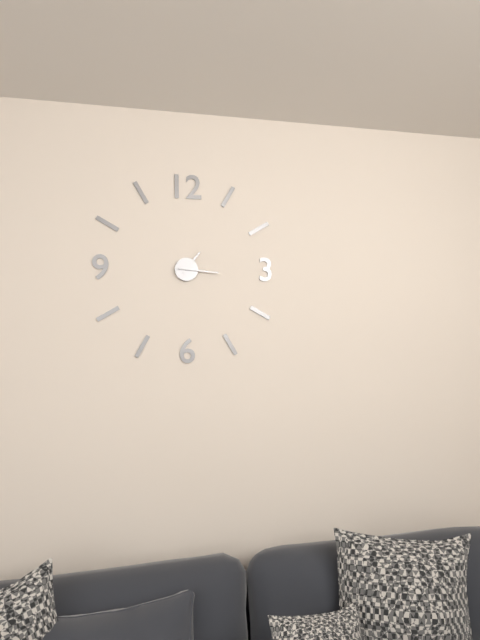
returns {"hour": 1, "minute": 16}
